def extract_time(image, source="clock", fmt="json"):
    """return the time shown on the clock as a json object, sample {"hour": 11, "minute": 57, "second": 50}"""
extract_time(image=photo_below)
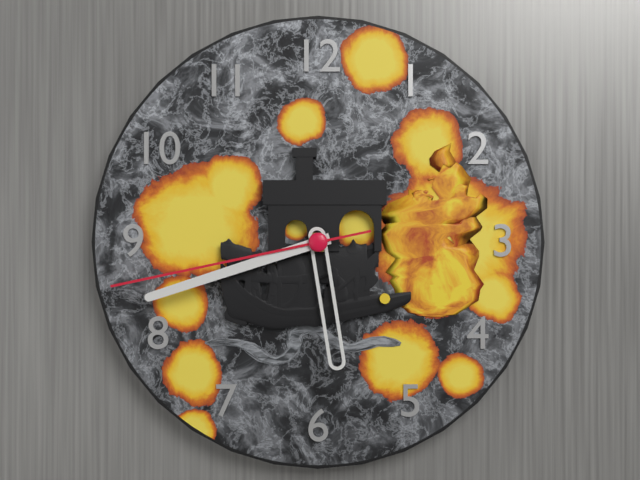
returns {"hour": 5, "minute": 42, "second": 43}
